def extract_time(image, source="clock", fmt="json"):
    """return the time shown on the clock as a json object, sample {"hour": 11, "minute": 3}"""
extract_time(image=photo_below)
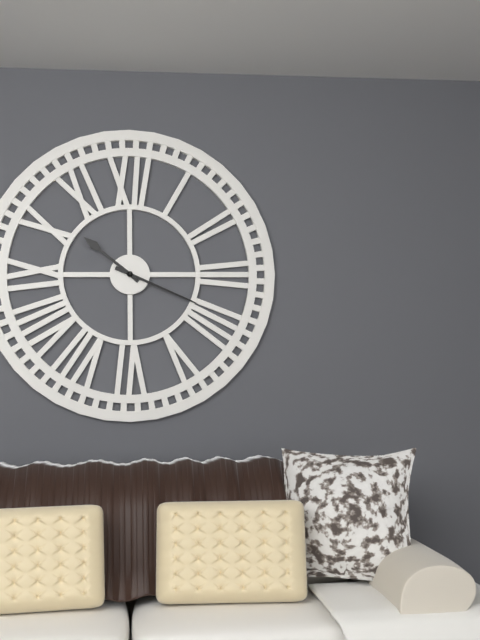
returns {"hour": 10, "minute": 19}
